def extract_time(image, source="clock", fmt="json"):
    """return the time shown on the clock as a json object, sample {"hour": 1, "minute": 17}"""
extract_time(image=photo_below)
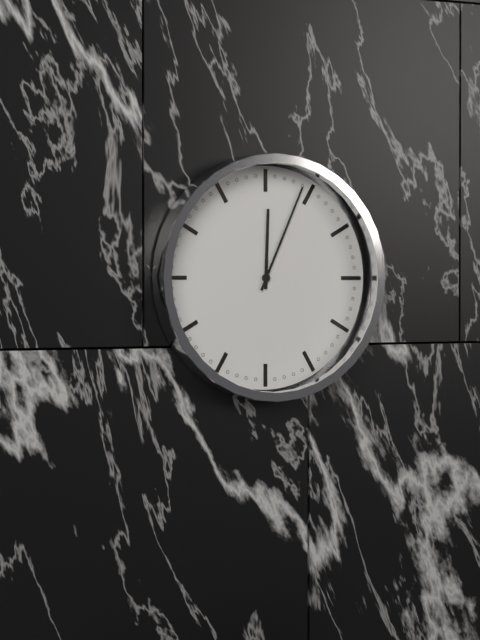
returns {"hour": 12, "minute": 4}
